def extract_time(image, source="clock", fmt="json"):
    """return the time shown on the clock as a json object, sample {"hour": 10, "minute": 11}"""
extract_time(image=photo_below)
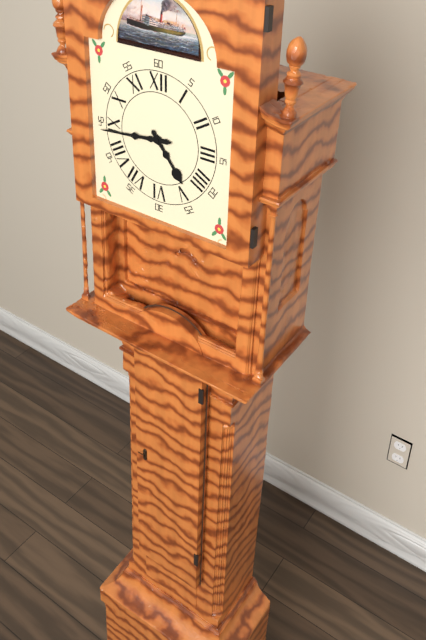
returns {"hour": 4, "minute": 44}
